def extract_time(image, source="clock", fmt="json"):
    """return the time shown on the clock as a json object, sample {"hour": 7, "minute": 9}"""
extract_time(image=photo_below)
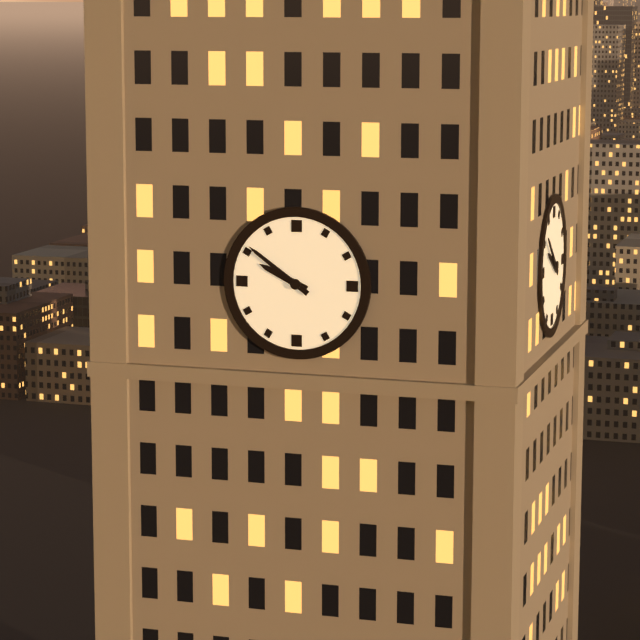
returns {"hour": 9, "minute": 51}
